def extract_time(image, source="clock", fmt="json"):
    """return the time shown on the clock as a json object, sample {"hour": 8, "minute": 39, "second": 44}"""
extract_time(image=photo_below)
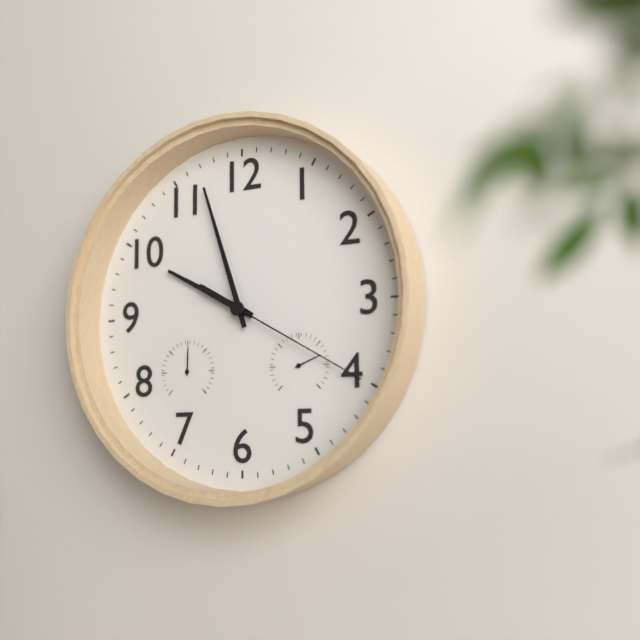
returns {"hour": 9, "minute": 57, "second": 20}
